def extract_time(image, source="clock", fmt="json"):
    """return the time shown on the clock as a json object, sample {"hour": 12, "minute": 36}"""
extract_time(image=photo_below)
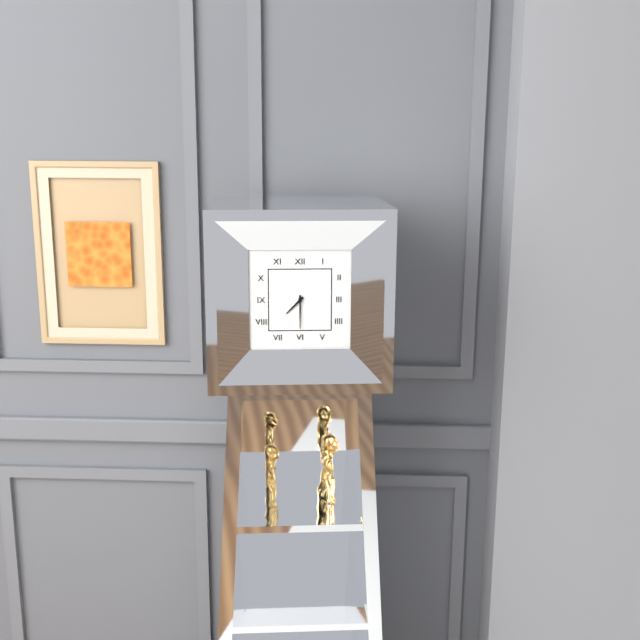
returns {"hour": 7, "minute": 30}
